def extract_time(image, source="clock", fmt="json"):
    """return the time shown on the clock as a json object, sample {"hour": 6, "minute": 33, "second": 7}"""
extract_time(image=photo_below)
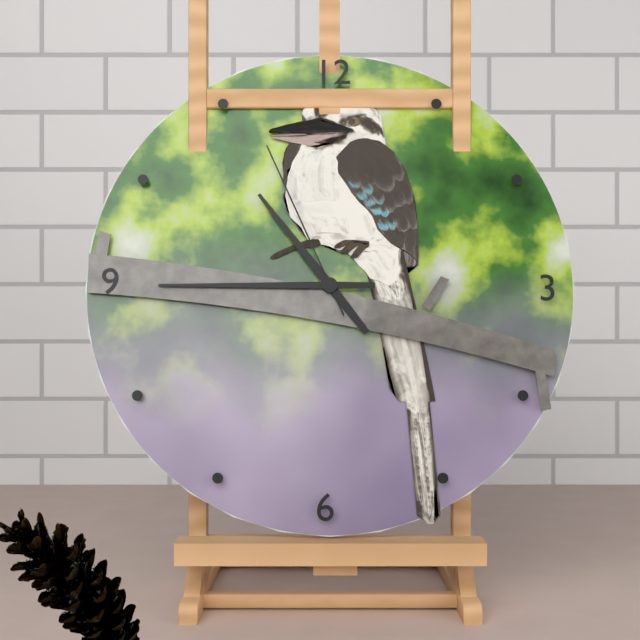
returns {"hour": 10, "minute": 45, "second": 56}
